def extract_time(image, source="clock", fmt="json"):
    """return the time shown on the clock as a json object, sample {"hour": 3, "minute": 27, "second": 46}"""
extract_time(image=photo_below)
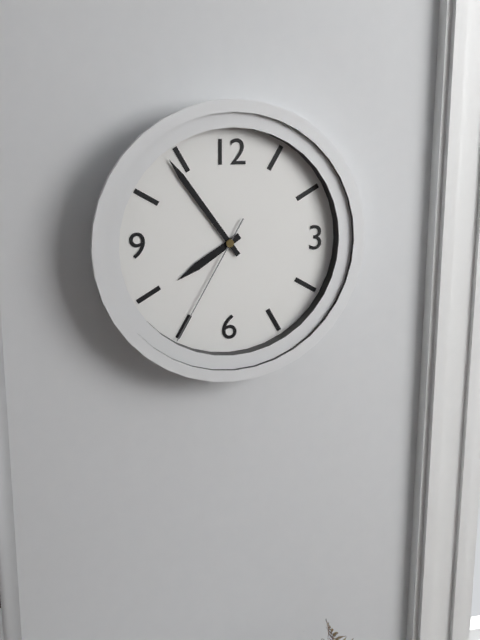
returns {"hour": 7, "minute": 54, "second": 35}
